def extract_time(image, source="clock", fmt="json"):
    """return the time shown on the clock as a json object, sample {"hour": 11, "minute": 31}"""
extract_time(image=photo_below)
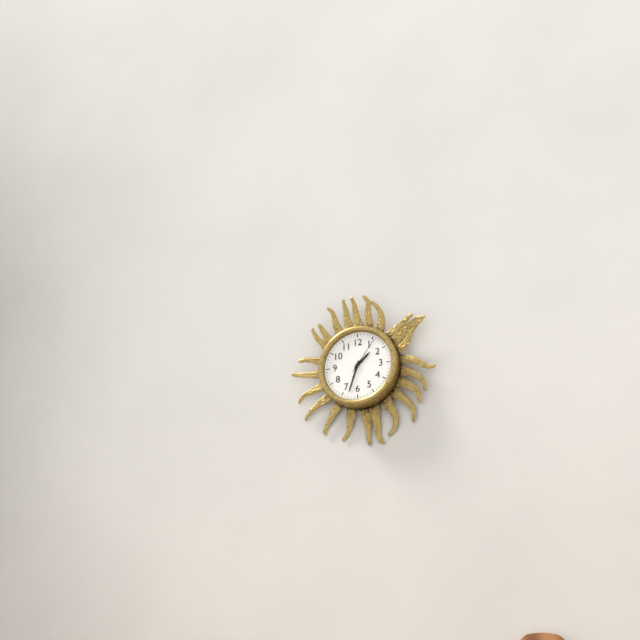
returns {"hour": 1, "minute": 33}
